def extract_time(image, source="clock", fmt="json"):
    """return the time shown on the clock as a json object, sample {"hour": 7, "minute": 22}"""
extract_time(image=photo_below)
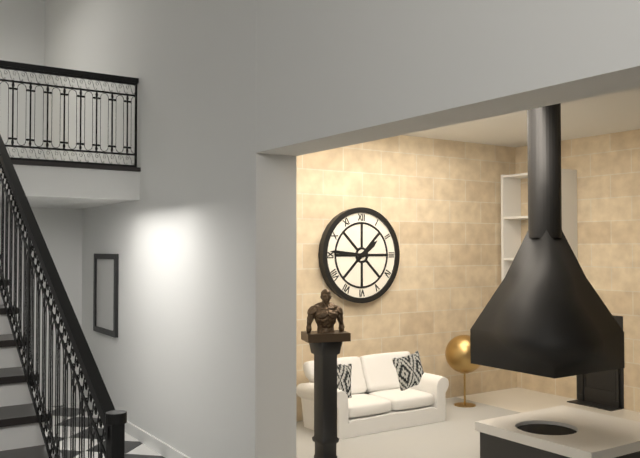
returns {"hour": 1, "minute": 46}
